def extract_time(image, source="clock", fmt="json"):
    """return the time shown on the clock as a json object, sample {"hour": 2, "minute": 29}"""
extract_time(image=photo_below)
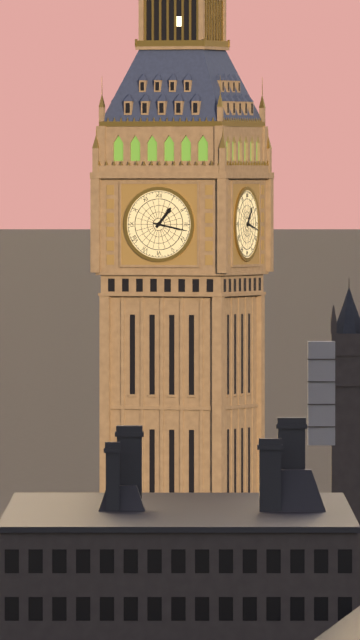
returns {"hour": 1, "minute": 17}
